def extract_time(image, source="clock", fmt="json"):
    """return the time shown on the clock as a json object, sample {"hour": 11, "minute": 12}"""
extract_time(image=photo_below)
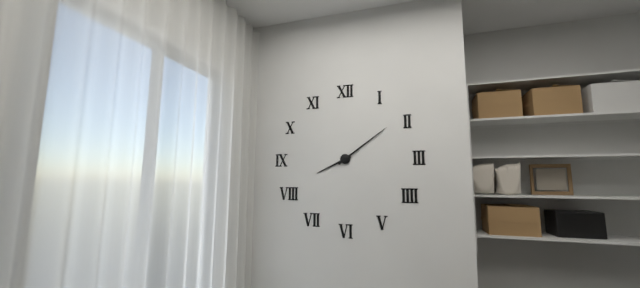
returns {"hour": 8, "minute": 9}
